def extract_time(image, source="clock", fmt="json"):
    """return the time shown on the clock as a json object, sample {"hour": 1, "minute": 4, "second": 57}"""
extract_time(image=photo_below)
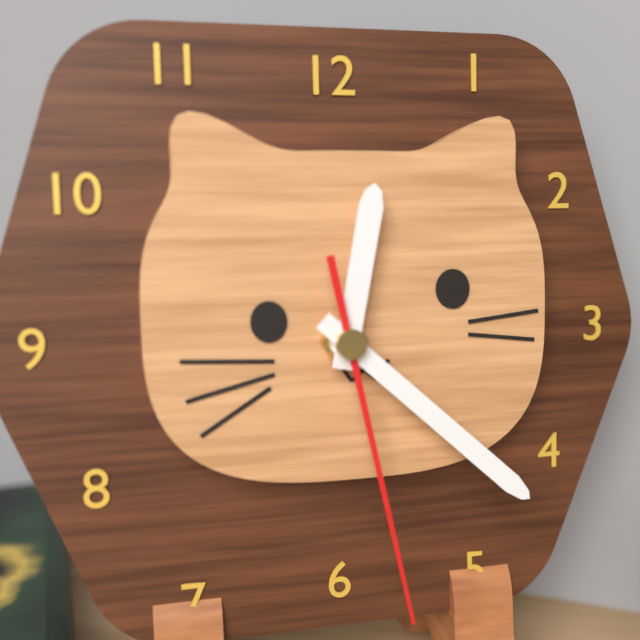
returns {"hour": 12, "minute": 22, "second": 28}
